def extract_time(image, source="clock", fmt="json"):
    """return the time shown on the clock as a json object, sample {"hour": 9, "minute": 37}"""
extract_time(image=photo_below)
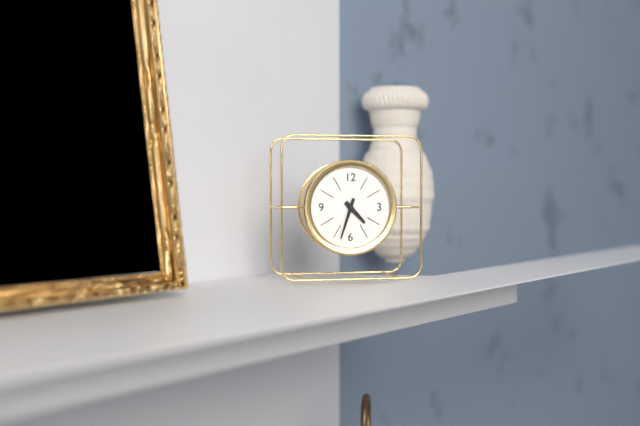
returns {"hour": 4, "minute": 33}
